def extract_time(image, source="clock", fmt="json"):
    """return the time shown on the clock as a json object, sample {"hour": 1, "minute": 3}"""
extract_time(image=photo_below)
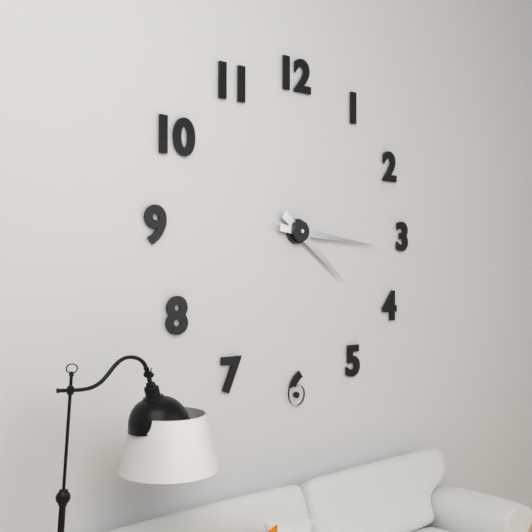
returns {"hour": 4, "minute": 16}
